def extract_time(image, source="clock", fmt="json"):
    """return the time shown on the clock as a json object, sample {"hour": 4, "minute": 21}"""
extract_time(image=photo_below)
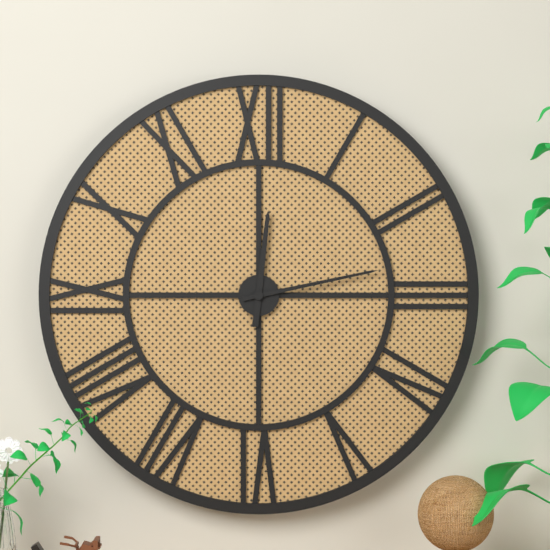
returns {"hour": 12, "minute": 13}
